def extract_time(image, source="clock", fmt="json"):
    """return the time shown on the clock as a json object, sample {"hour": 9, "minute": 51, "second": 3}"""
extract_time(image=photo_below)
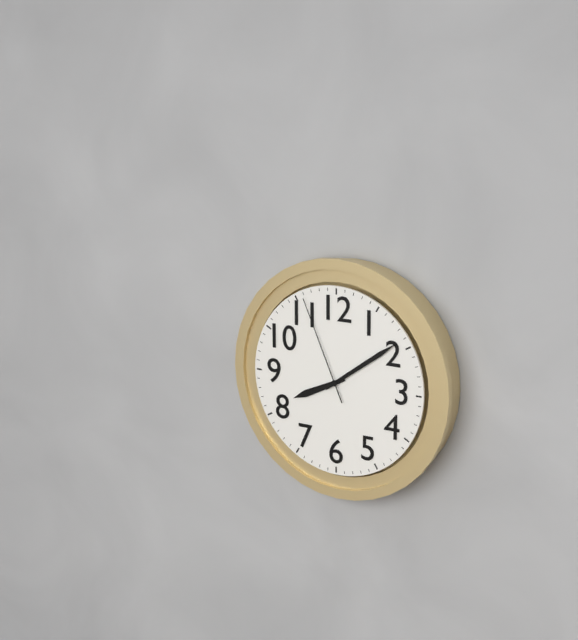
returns {"hour": 8, "minute": 9, "second": 56}
